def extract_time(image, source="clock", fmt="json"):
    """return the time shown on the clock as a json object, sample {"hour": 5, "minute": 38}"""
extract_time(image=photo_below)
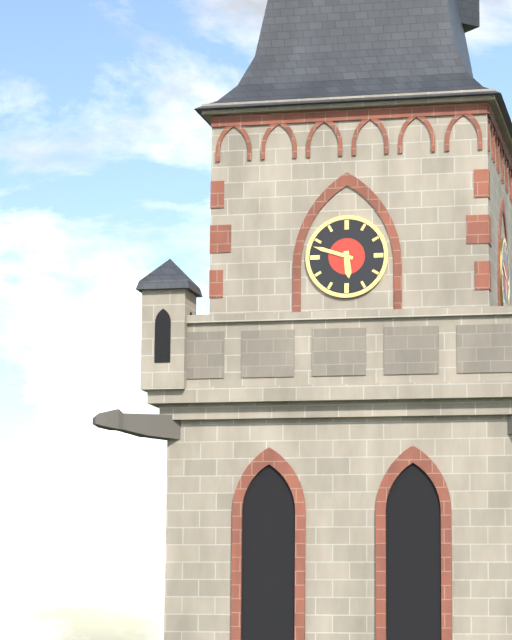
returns {"hour": 5, "minute": 48}
